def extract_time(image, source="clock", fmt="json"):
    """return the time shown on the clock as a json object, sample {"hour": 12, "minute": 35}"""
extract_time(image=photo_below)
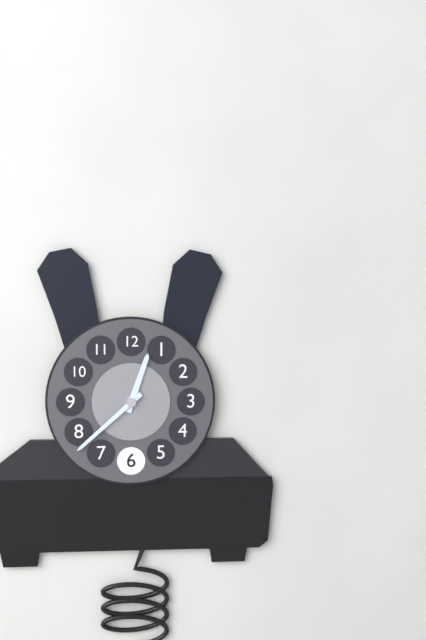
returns {"hour": 12, "minute": 38}
